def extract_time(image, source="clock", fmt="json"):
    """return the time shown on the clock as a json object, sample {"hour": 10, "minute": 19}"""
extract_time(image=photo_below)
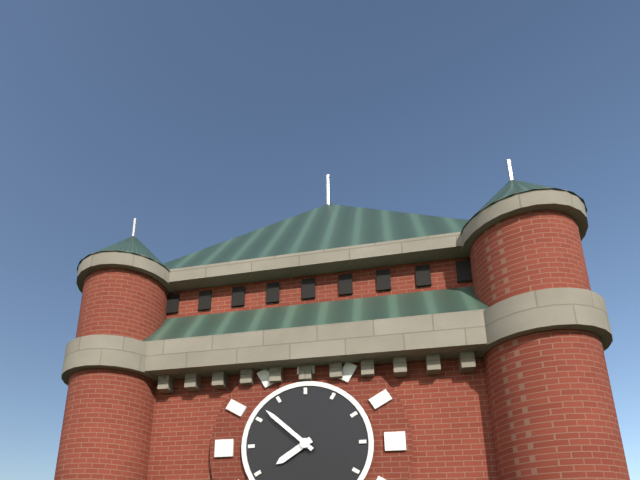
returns {"hour": 7, "minute": 52}
